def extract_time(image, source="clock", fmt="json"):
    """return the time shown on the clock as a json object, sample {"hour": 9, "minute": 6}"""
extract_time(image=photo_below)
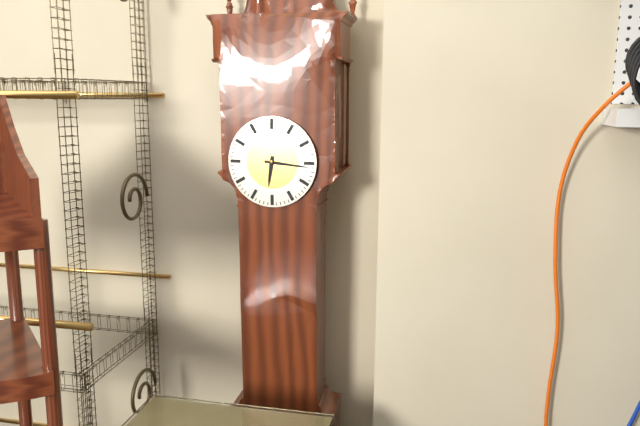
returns {"hour": 6, "minute": 16}
